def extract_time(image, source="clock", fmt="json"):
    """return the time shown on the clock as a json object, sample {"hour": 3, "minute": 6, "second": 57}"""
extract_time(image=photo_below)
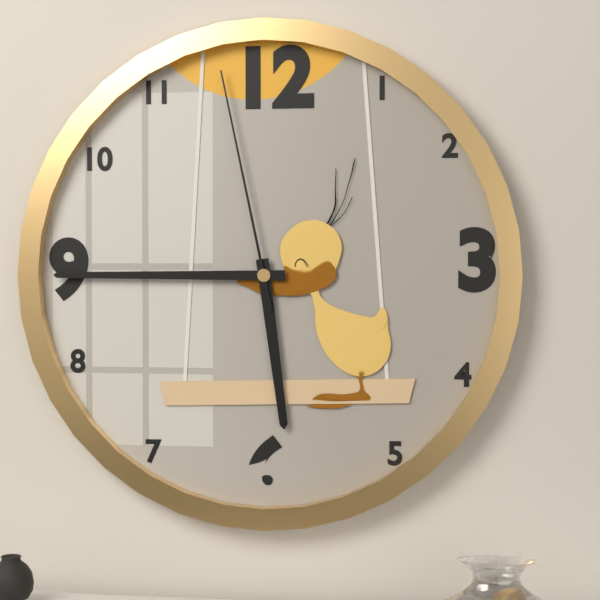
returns {"hour": 5, "minute": 45, "second": 58}
